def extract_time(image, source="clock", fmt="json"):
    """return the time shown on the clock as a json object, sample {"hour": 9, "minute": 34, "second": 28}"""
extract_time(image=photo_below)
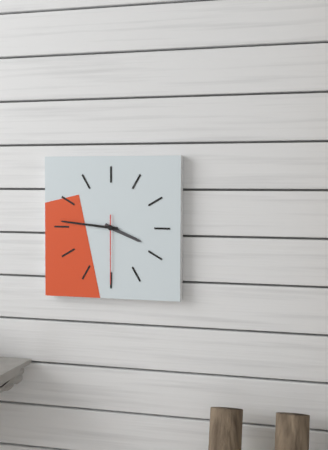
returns {"hour": 3, "minute": 46, "second": 30}
